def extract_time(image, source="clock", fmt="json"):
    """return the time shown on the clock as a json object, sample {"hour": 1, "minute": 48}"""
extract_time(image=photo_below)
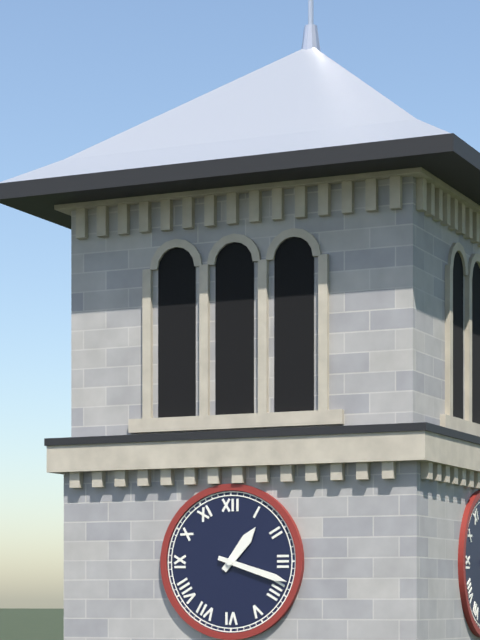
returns {"hour": 1, "minute": 18}
